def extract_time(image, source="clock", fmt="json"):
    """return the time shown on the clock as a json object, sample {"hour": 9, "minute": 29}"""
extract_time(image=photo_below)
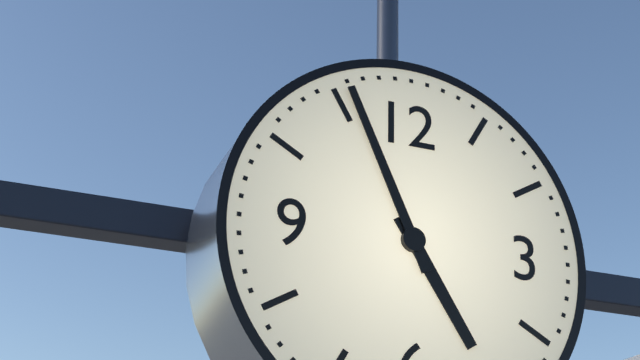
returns {"hour": 4, "minute": 56}
